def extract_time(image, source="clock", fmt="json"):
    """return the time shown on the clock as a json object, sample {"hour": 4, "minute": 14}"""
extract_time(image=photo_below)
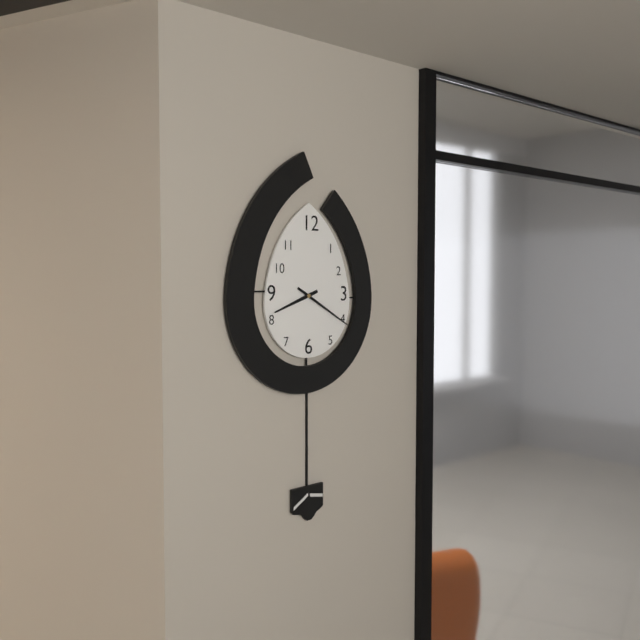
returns {"hour": 8, "minute": 20}
